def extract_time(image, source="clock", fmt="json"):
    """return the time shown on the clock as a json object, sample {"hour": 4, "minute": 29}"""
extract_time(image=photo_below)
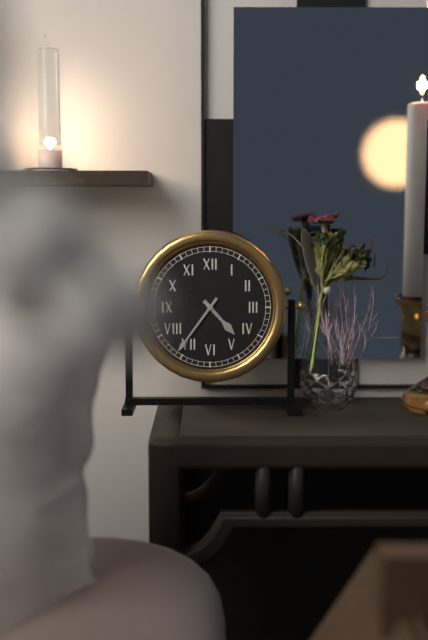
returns {"hour": 4, "minute": 36}
